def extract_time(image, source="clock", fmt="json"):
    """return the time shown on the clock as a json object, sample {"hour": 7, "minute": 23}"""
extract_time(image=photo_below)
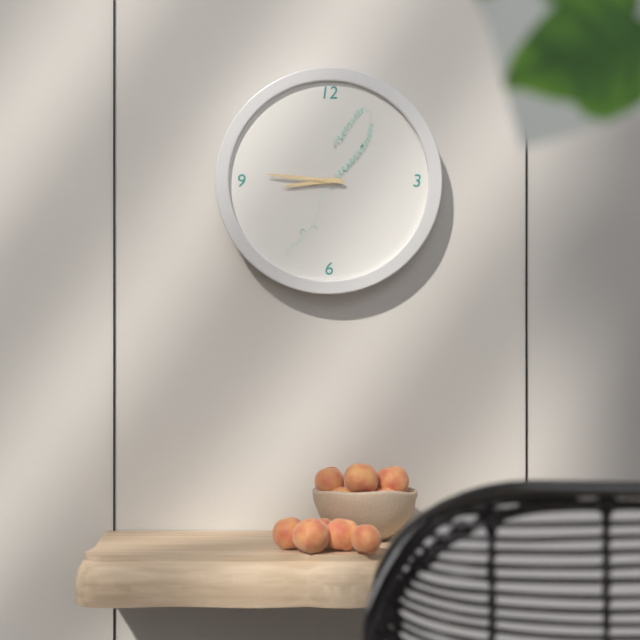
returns {"hour": 8, "minute": 46}
